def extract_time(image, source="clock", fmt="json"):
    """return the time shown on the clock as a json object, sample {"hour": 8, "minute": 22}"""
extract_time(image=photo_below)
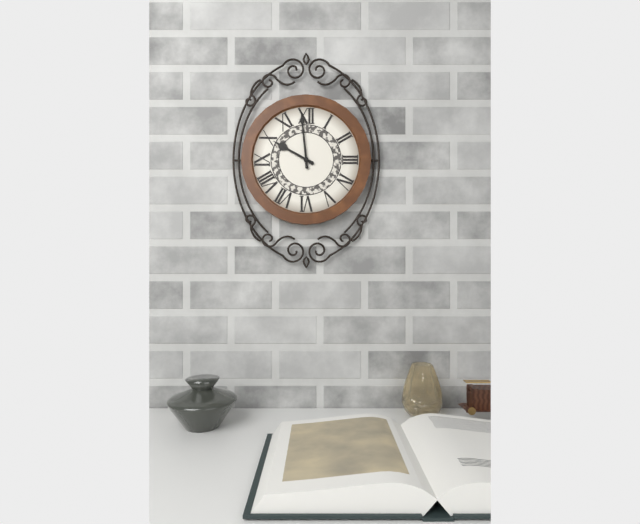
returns {"hour": 9, "minute": 59}
